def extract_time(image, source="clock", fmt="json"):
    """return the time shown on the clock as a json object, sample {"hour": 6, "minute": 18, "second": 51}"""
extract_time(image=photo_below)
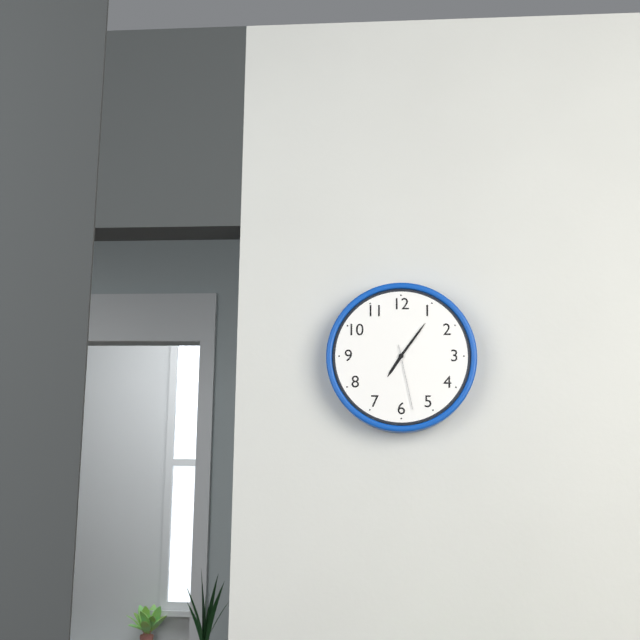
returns {"hour": 7, "minute": 6, "second": 28}
